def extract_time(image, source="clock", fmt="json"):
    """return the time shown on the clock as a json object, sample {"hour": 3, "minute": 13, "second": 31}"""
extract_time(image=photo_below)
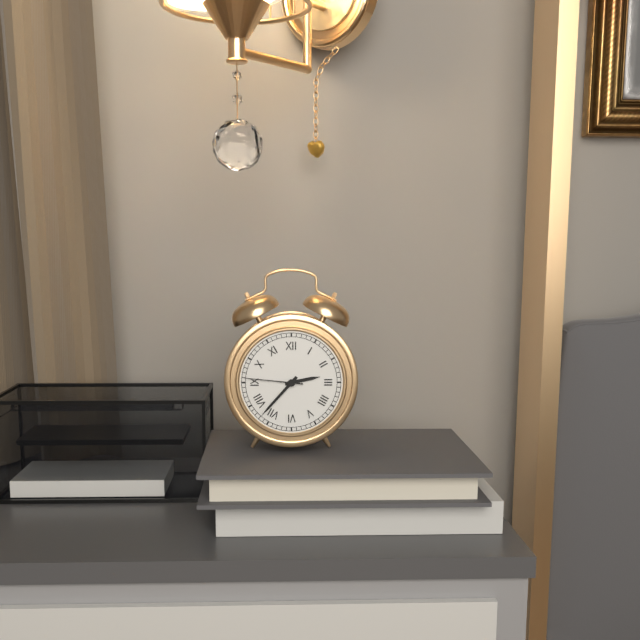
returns {"hour": 2, "minute": 37, "second": 46}
